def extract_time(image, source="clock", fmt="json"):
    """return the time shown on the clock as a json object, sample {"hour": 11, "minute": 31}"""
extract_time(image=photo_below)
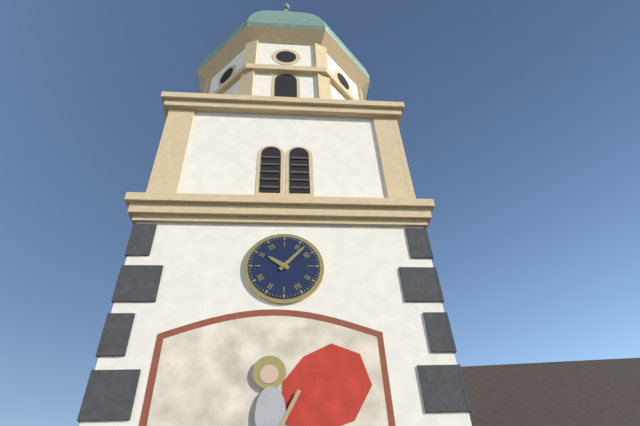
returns {"hour": 10, "minute": 7}
